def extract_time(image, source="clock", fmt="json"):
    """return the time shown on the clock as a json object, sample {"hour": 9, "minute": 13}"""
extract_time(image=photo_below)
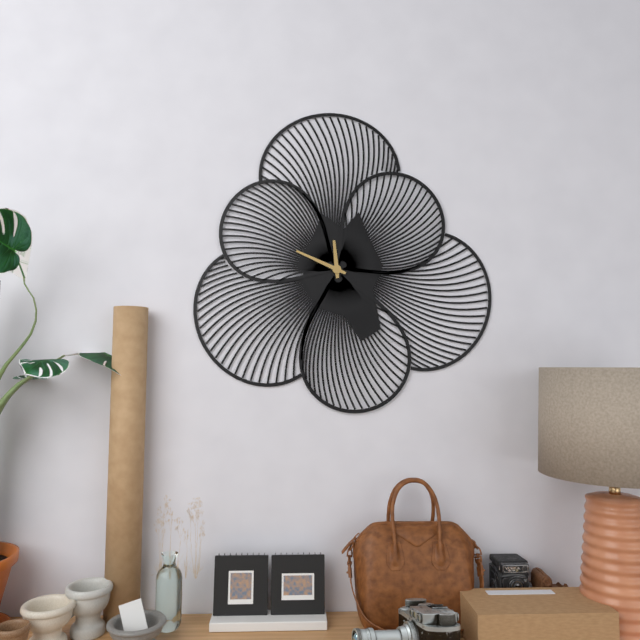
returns {"hour": 11, "minute": 49}
